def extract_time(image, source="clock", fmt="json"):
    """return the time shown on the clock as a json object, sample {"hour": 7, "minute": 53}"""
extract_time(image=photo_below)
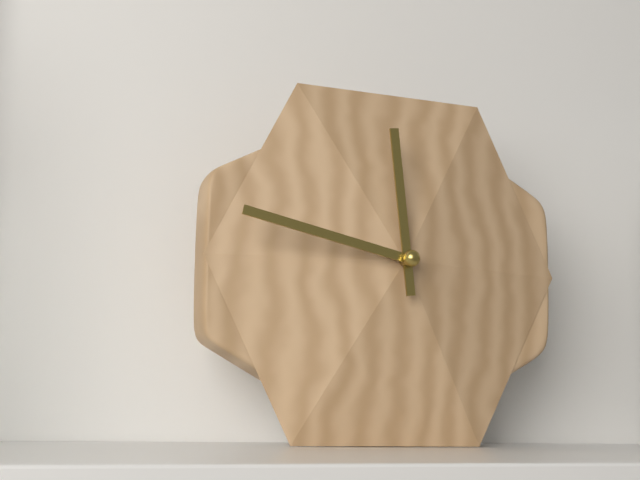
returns {"hour": 11, "minute": 47}
